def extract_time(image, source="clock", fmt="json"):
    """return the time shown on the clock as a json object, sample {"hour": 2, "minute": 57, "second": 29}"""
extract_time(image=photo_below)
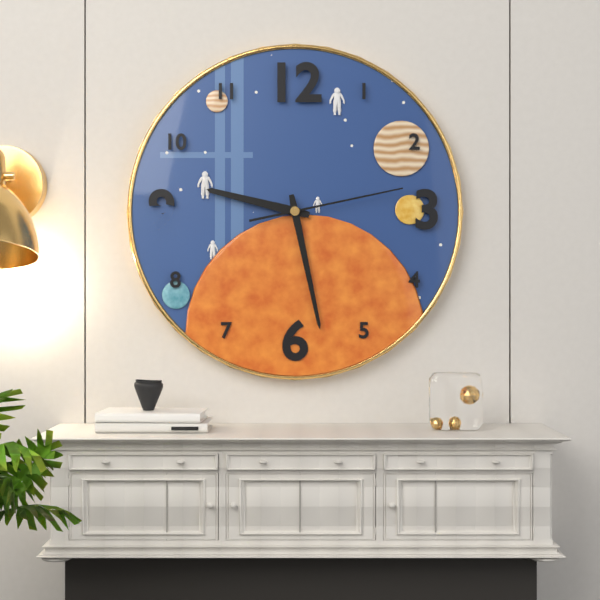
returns {"hour": 9, "minute": 28, "second": 13}
